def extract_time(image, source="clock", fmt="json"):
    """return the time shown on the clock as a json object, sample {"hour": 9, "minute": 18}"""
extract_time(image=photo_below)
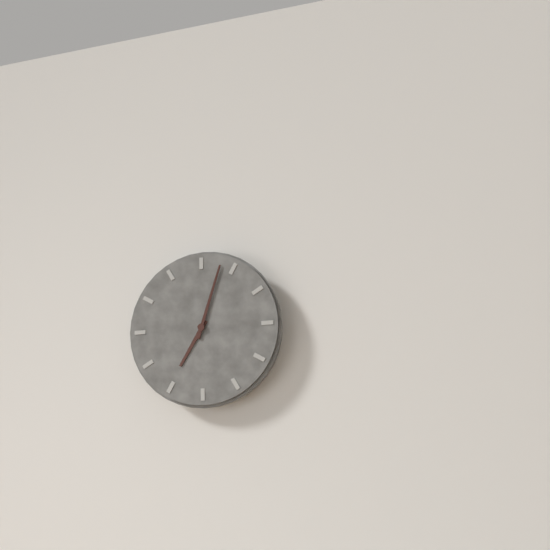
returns {"hour": 7, "minute": 3}
